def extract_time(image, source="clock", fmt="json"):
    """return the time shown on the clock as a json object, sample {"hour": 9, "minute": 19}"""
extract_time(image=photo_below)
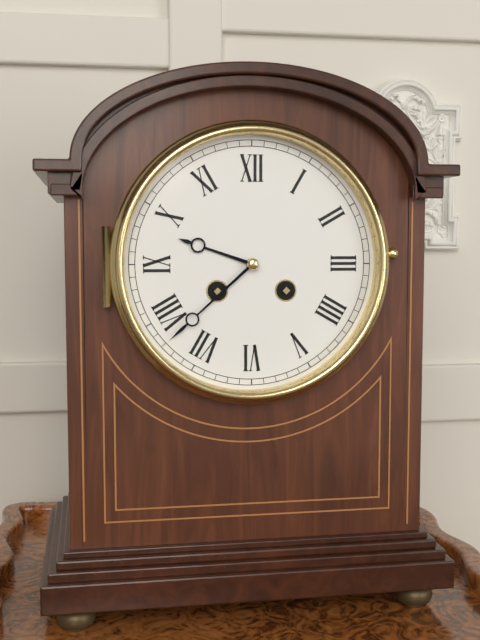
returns {"hour": 9, "minute": 38}
